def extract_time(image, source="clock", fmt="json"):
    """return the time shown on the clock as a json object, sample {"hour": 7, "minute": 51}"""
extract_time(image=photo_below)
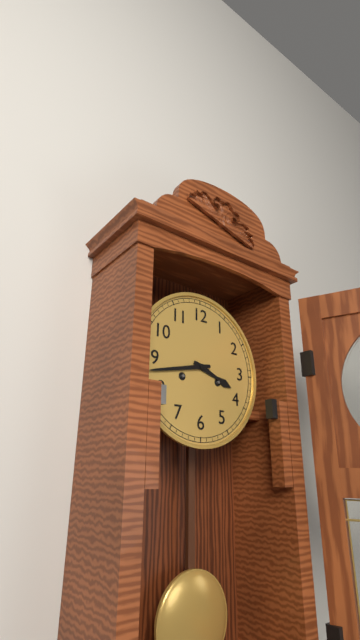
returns {"hour": 3, "minute": 43}
